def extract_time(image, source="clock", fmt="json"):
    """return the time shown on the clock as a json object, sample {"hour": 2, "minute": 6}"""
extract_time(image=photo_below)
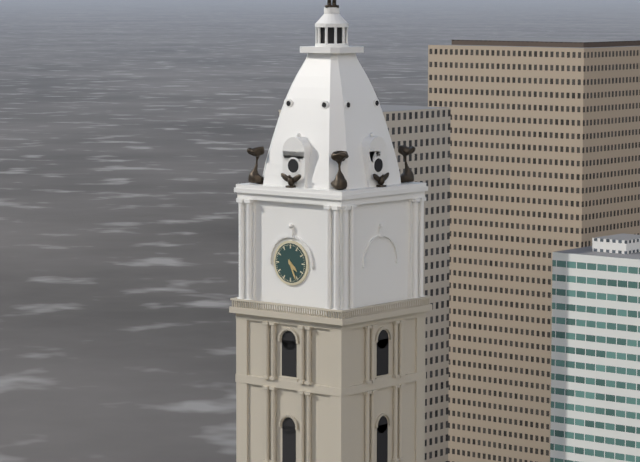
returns {"hour": 4, "minute": 26}
